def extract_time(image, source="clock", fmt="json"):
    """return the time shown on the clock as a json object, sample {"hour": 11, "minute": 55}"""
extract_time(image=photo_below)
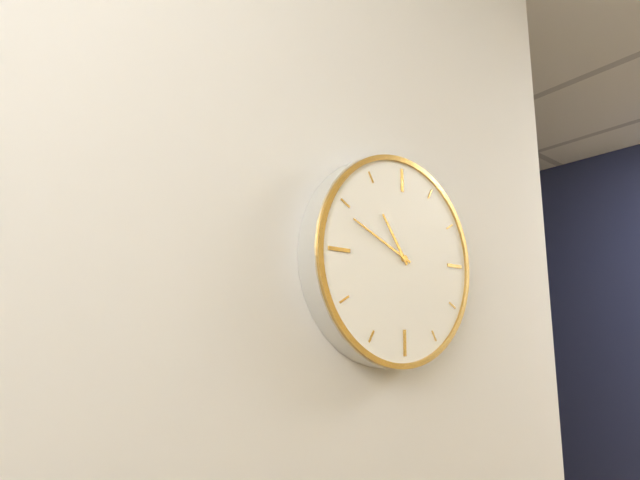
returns {"hour": 10, "minute": 49}
